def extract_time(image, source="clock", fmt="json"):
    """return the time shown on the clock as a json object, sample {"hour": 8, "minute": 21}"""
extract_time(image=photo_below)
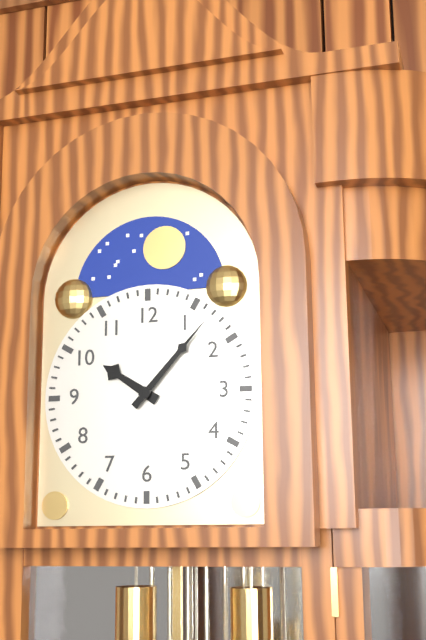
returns {"hour": 10, "minute": 7}
